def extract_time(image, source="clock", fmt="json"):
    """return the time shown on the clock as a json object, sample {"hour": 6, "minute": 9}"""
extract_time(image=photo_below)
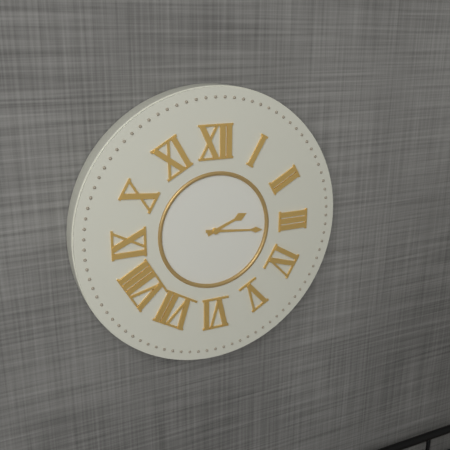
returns {"hour": 2, "minute": 16}
